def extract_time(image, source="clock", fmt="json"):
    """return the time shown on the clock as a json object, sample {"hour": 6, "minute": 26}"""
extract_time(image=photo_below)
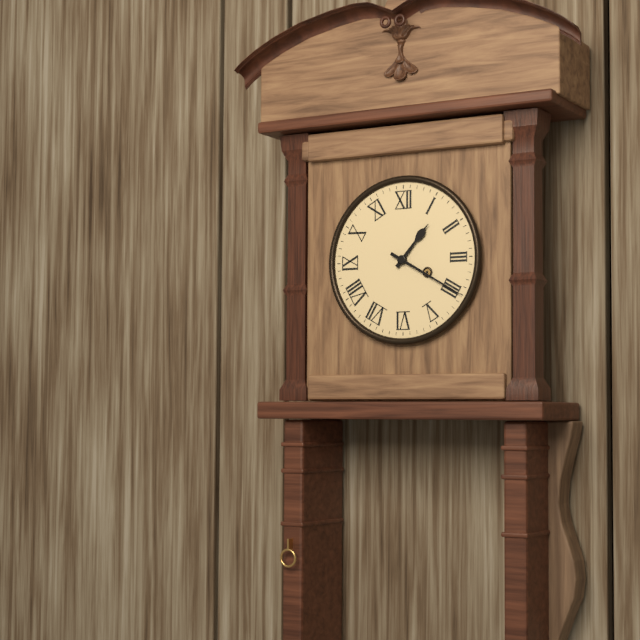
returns {"hour": 1, "minute": 20}
